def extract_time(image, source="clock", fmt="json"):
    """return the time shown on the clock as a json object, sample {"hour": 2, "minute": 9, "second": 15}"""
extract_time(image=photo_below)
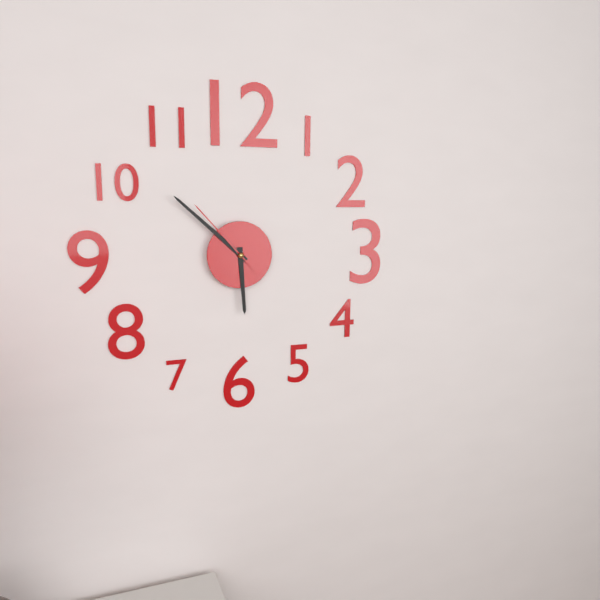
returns {"hour": 5, "minute": 52, "second": 53}
